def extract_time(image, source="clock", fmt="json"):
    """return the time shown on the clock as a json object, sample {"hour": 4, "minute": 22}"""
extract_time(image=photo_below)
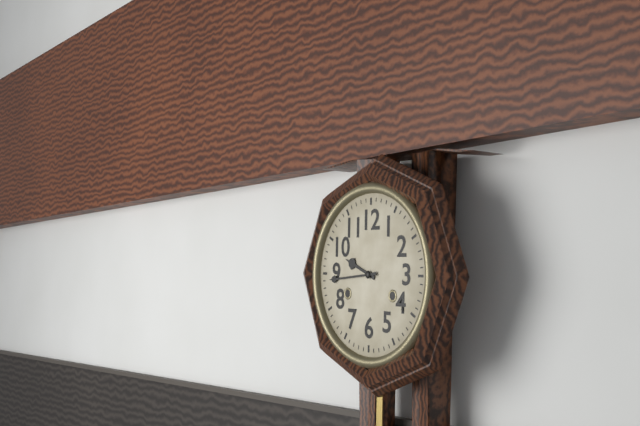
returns {"hour": 9, "minute": 44}
